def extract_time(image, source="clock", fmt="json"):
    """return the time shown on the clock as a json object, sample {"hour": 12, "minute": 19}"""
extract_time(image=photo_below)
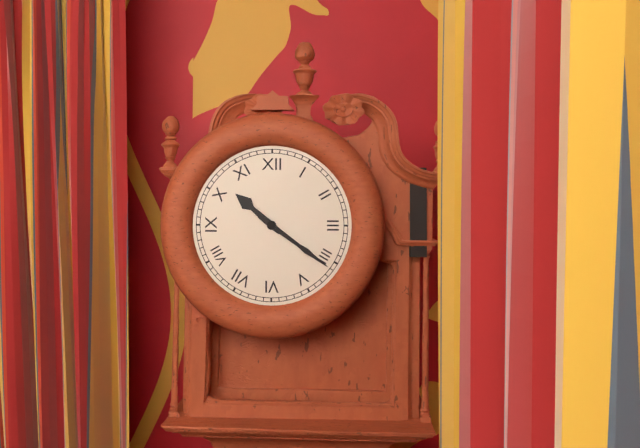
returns {"hour": 10, "minute": 21}
